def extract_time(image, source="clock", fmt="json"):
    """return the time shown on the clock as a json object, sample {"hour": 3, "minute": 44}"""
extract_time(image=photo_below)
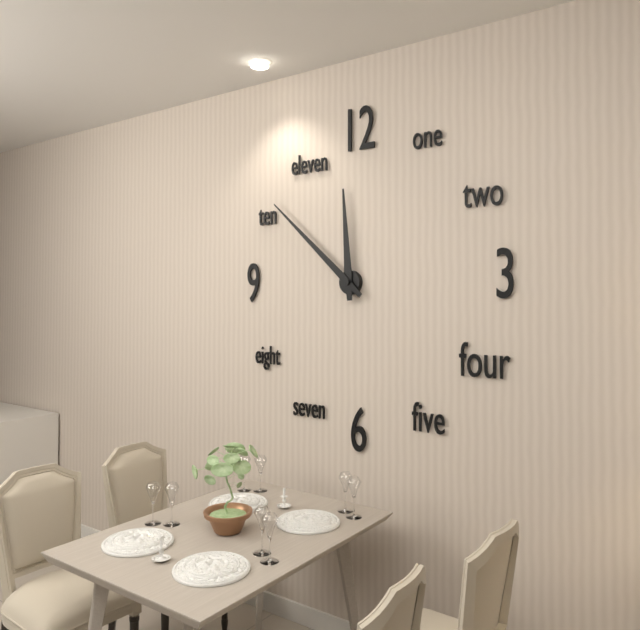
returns {"hour": 11, "minute": 52}
